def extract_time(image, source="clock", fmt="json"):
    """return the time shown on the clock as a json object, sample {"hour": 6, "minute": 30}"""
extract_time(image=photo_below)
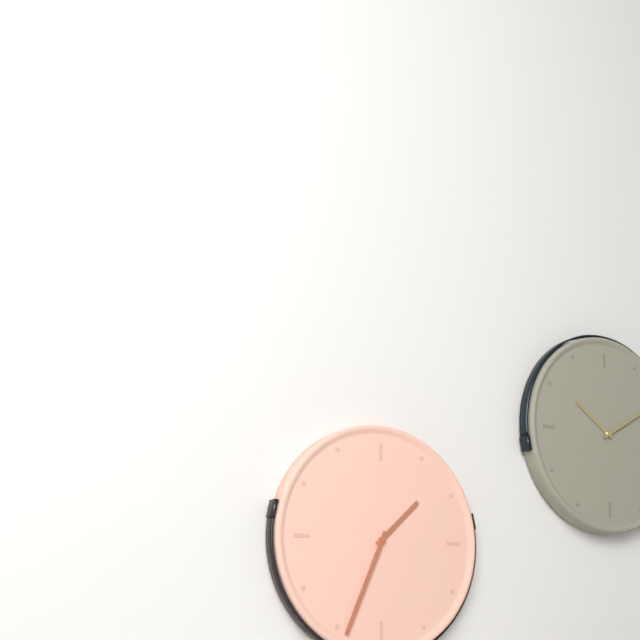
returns {"hour": 1, "minute": 34}
